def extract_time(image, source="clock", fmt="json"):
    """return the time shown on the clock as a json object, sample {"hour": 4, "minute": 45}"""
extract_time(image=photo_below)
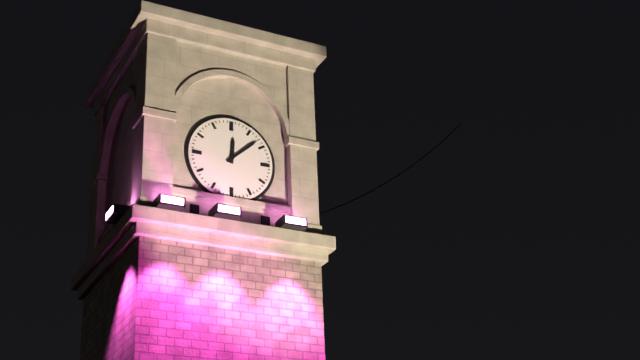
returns {"hour": 12, "minute": 8}
